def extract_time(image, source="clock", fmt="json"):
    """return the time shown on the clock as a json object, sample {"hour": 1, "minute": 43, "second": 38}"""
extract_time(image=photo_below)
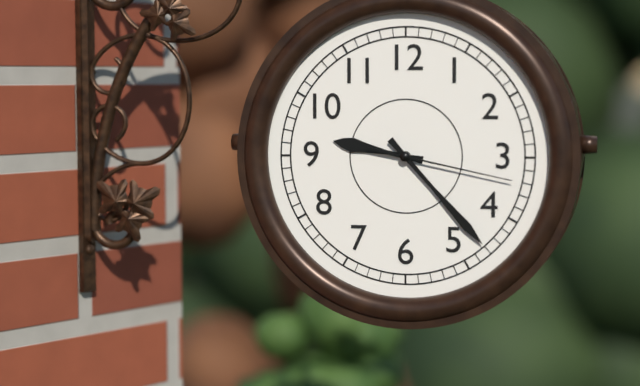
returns {"hour": 9, "minute": 23, "second": 17}
